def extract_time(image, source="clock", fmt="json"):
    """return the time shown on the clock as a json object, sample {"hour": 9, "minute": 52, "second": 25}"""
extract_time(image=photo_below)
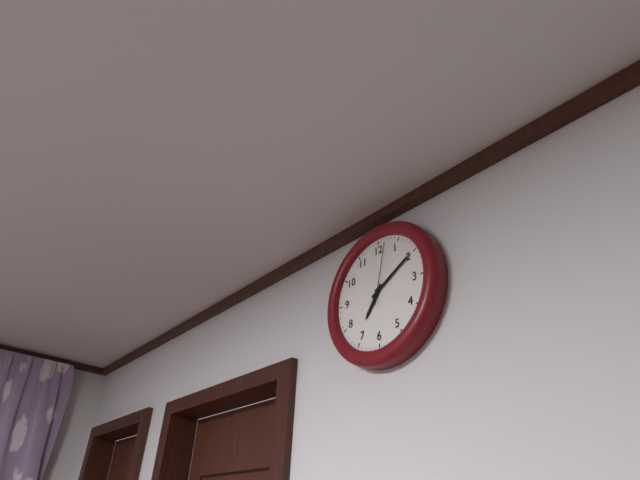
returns {"hour": 7, "minute": 10, "second": 2}
